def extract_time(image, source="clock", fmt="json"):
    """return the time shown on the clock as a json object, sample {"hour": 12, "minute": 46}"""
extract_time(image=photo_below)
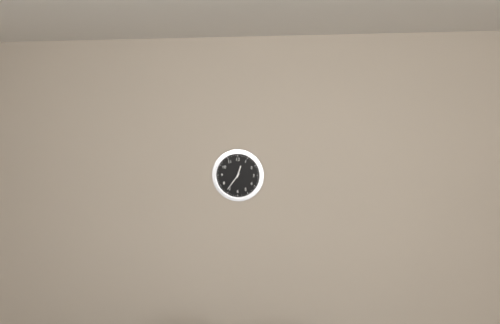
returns {"hour": 12, "minute": 36}
